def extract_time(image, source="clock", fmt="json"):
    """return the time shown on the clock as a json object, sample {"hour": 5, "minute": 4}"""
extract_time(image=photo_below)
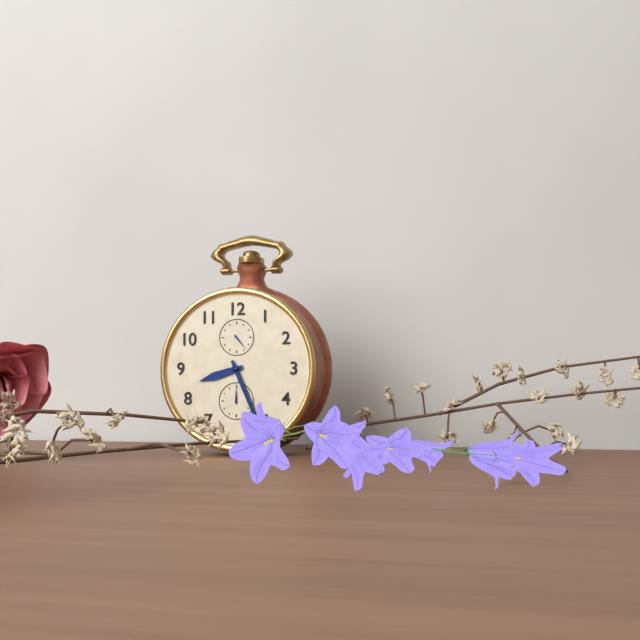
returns {"hour": 8, "minute": 26}
